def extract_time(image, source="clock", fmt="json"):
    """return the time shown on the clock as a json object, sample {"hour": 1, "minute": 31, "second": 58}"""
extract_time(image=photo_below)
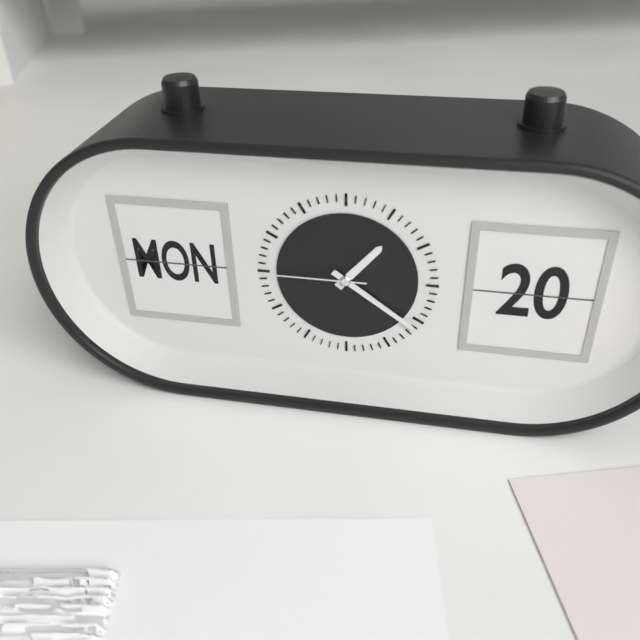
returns {"hour": 1, "minute": 21, "second": 45}
